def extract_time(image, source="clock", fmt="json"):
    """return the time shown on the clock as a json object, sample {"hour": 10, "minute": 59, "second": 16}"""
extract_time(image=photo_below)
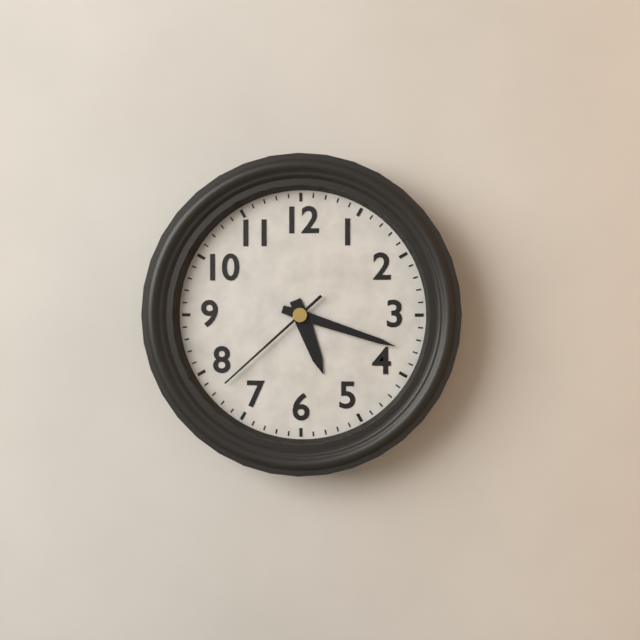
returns {"hour": 5, "minute": 18, "second": 38}
